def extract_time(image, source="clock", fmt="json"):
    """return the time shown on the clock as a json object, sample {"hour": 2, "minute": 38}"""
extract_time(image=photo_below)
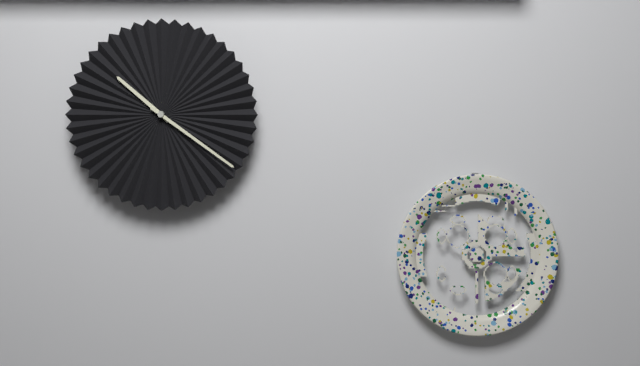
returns {"hour": 10, "minute": 21}
